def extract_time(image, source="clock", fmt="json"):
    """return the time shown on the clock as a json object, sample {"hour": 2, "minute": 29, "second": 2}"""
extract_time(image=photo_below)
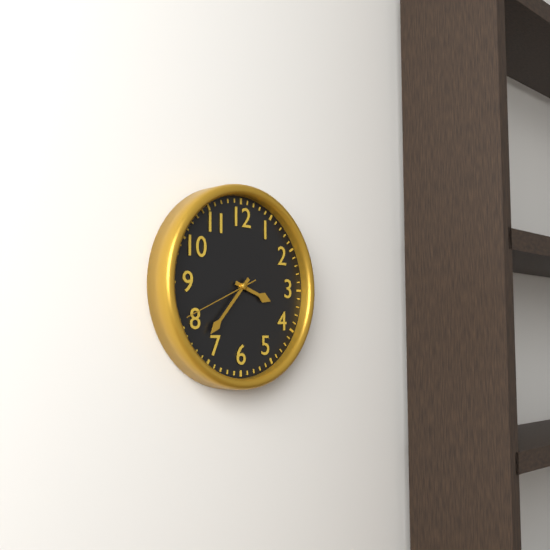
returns {"hour": 3, "minute": 37, "second": 41}
